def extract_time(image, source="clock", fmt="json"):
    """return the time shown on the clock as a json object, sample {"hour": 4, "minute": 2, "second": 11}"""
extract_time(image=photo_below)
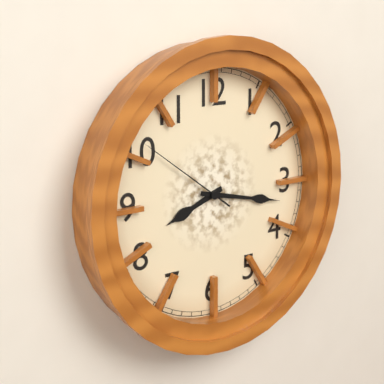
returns {"hour": 8, "minute": 17, "second": 51}
